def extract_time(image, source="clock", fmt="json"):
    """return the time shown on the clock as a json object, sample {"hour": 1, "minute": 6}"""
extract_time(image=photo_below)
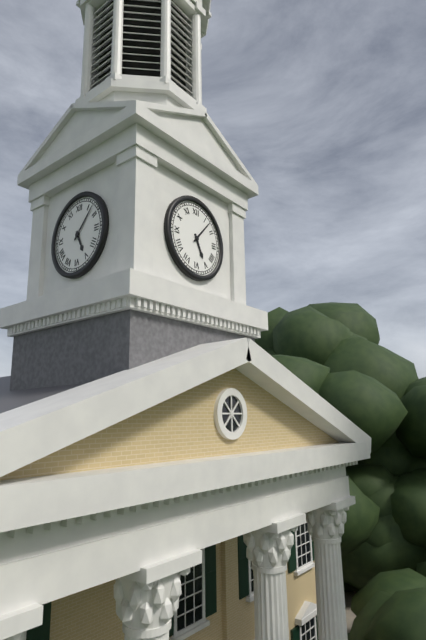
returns {"hour": 5, "minute": 7}
